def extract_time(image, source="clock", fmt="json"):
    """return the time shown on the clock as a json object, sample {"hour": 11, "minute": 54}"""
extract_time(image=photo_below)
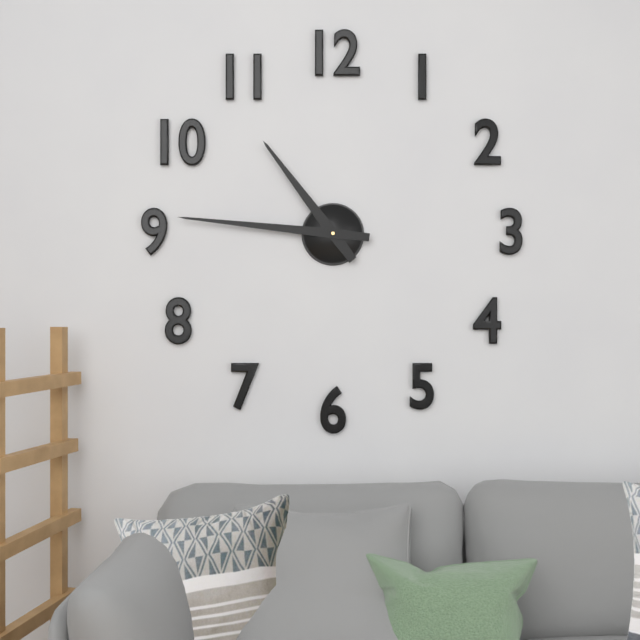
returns {"hour": 10, "minute": 46}
